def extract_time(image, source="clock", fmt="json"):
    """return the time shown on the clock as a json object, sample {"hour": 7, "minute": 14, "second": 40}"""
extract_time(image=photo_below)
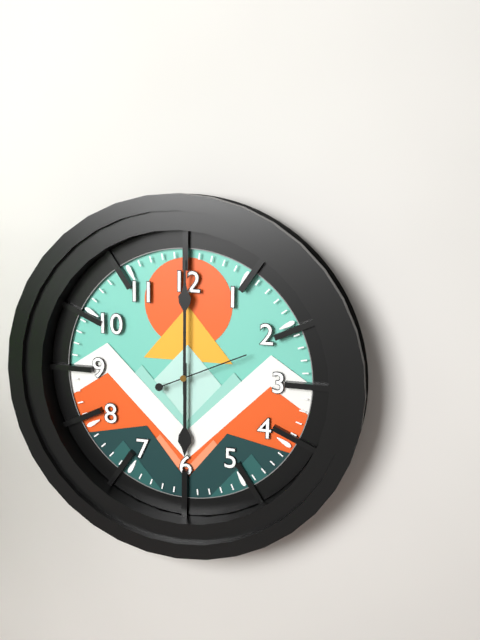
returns {"hour": 6, "minute": 0, "second": 11}
